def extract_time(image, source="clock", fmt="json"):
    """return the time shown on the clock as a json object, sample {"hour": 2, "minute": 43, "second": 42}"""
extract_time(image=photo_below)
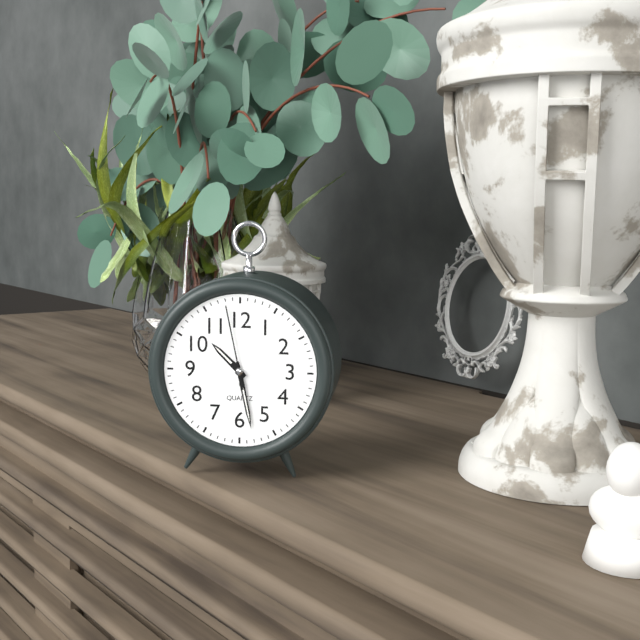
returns {"hour": 10, "minute": 28, "second": 58}
